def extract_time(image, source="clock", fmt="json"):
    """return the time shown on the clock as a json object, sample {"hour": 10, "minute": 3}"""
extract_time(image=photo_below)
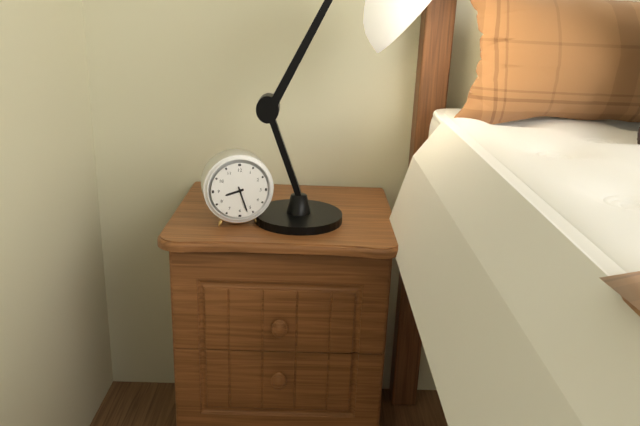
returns {"hour": 8, "minute": 27}
